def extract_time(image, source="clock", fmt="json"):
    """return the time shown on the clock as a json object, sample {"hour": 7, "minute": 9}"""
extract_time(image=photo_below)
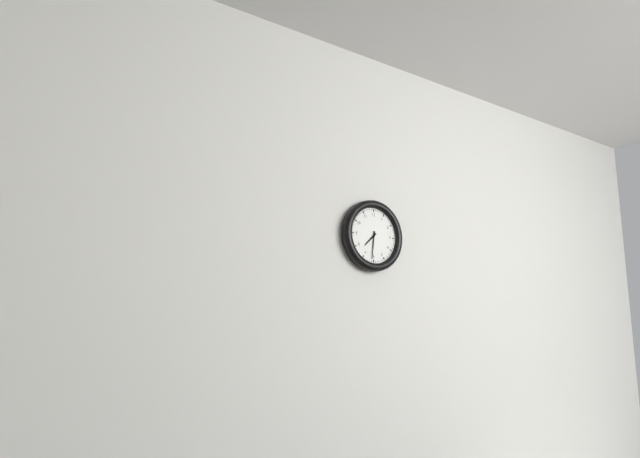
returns {"hour": 7, "minute": 31}
